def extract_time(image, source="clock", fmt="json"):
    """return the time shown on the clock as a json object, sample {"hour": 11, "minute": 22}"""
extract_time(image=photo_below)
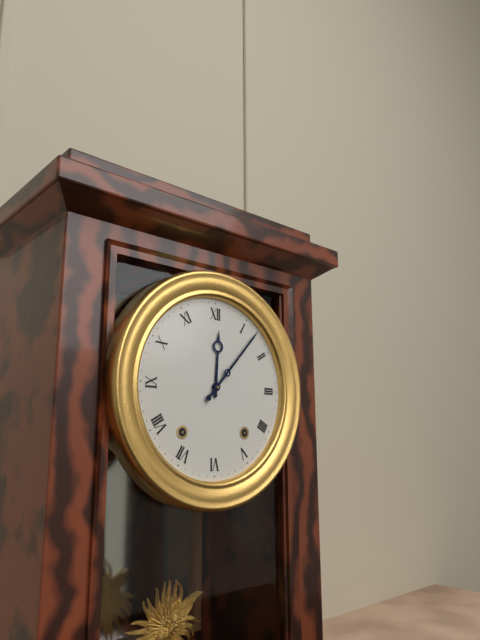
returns {"hour": 12, "minute": 7}
